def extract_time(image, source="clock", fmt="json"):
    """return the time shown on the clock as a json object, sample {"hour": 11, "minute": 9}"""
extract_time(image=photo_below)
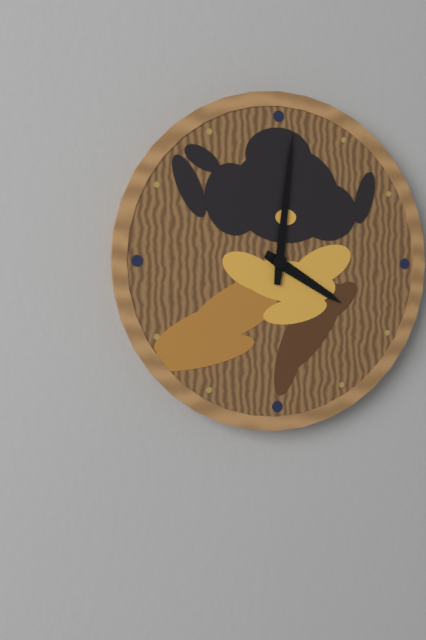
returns {"hour": 4, "minute": 1}
